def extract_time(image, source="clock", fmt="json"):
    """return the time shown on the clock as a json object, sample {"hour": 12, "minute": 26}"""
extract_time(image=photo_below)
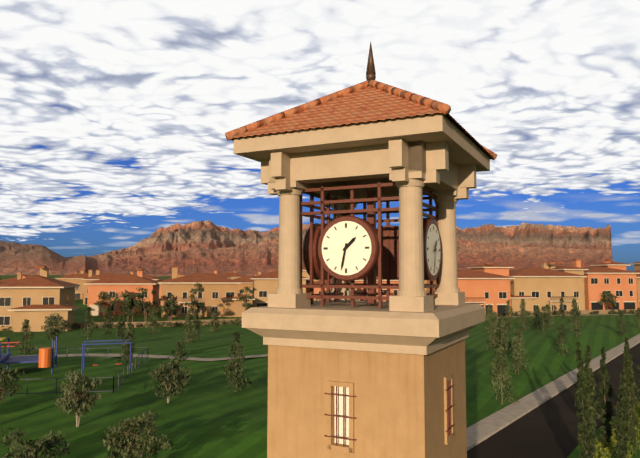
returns {"hour": 1, "minute": 32}
